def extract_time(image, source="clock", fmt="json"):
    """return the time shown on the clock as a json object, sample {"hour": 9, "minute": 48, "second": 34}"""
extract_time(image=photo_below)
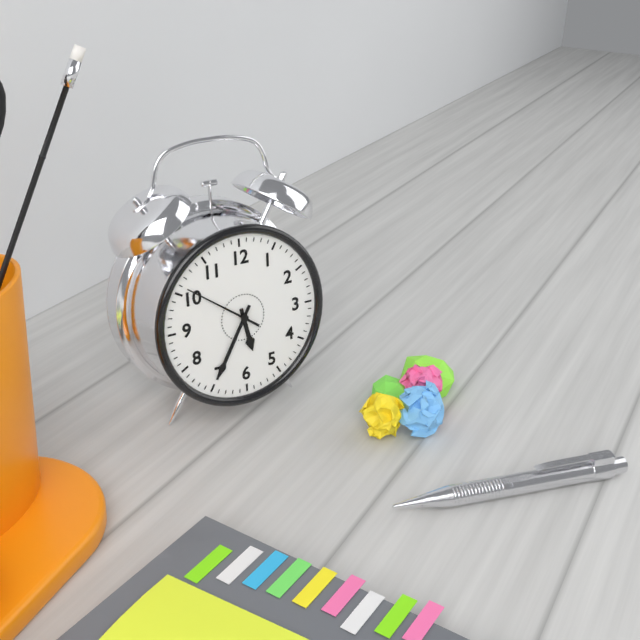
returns {"hour": 5, "minute": 35, "second": 51}
